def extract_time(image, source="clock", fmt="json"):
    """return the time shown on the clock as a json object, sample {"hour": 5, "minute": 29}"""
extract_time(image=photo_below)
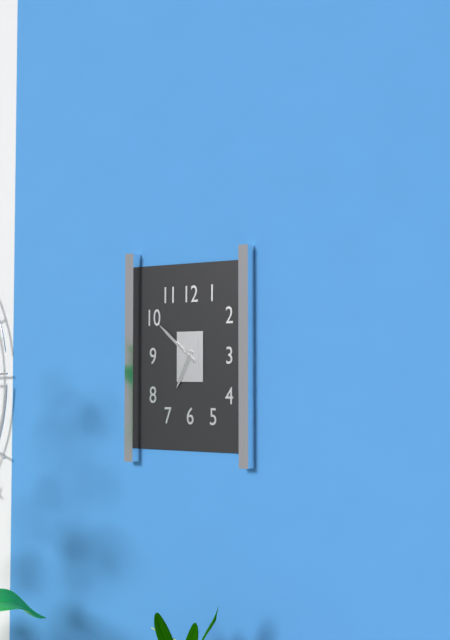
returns {"hour": 6, "minute": 52}
